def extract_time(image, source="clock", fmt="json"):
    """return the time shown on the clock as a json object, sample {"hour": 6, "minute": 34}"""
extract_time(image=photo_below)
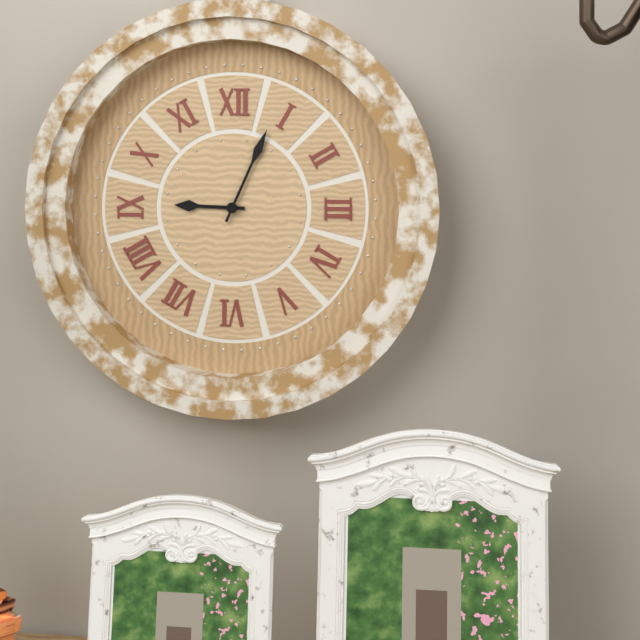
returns {"hour": 9, "minute": 4}
